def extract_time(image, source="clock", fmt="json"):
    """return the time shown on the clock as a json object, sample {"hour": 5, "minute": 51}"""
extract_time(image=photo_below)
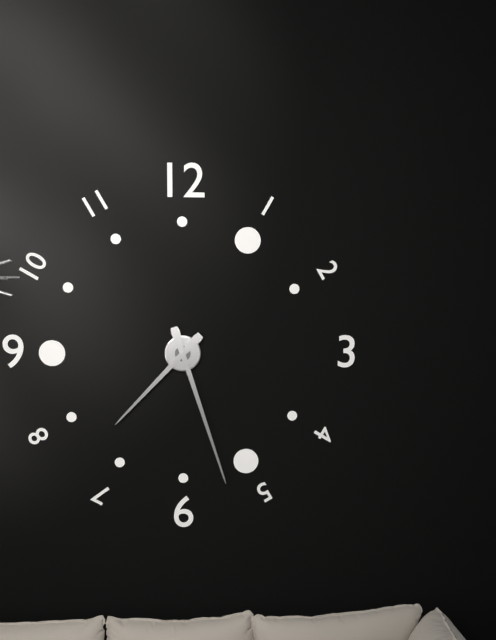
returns {"hour": 7, "minute": 27}
